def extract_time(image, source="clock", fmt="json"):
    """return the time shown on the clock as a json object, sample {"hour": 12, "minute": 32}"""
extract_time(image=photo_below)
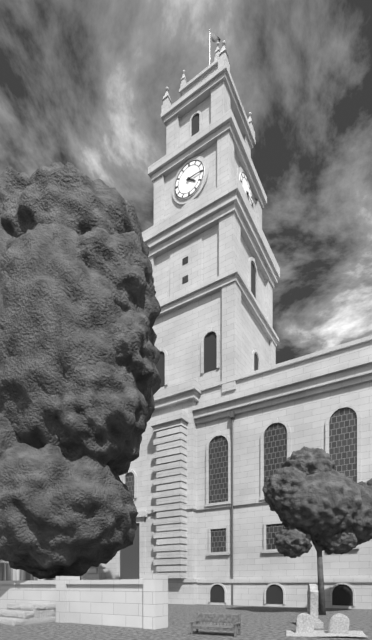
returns {"hour": 4, "minute": 15}
